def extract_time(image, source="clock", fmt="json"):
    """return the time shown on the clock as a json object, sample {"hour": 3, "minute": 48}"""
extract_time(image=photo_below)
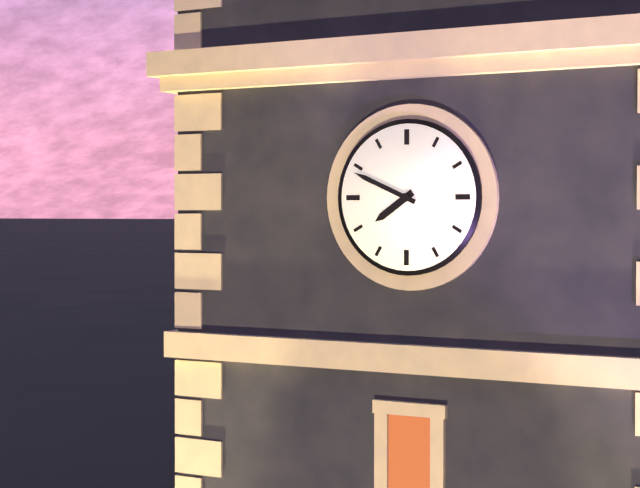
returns {"hour": 7, "minute": 49}
